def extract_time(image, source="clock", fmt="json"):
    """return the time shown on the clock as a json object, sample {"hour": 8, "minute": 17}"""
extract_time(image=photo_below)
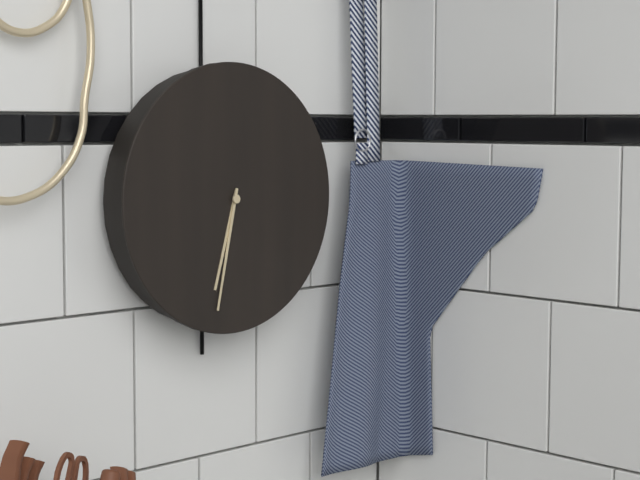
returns {"hour": 6, "minute": 32}
